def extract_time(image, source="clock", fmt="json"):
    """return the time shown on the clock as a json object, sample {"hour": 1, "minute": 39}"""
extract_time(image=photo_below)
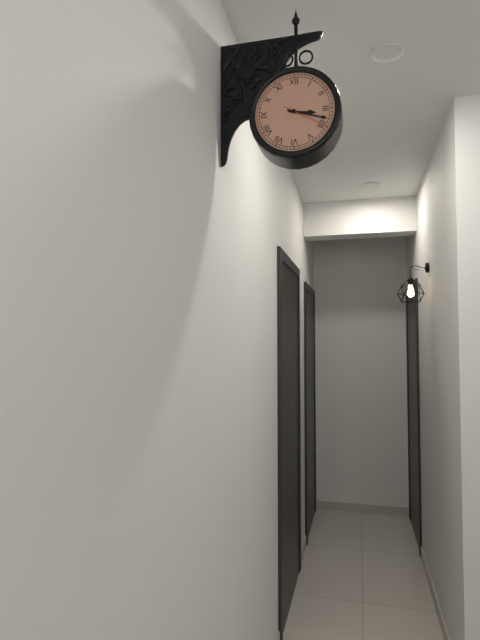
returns {"hour": 3, "minute": 18}
